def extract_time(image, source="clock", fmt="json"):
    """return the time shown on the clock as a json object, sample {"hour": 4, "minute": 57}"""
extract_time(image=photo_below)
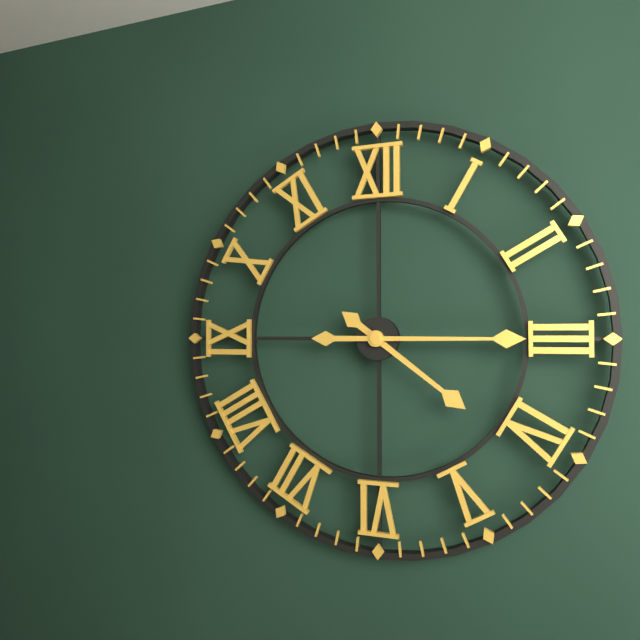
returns {"hour": 4, "minute": 15}
